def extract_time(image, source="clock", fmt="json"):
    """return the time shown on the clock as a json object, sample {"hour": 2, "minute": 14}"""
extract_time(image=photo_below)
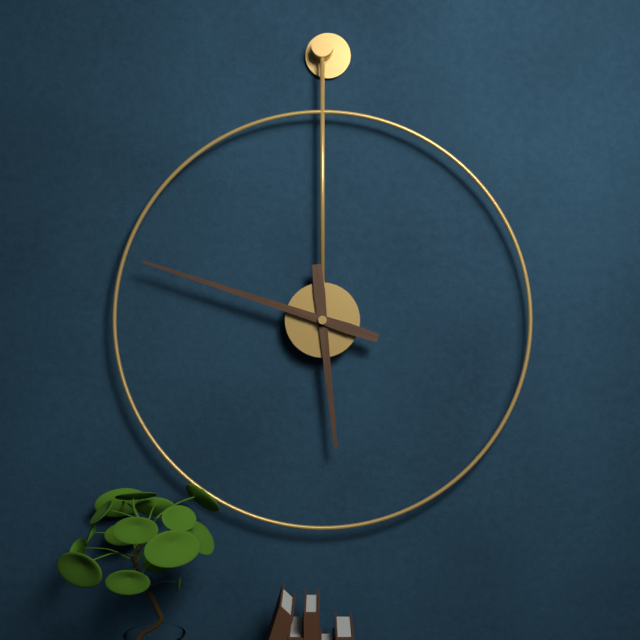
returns {"hour": 5, "minute": 48}
